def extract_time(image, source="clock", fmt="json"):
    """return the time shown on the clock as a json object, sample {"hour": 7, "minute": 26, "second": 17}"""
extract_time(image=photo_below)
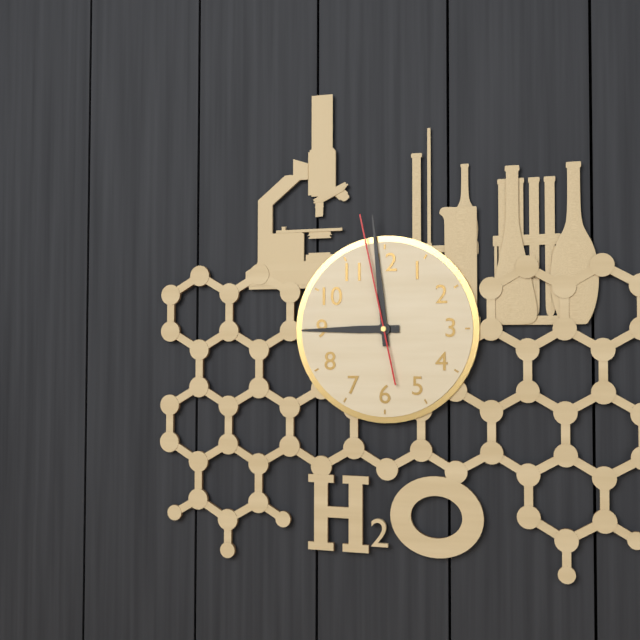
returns {"hour": 8, "minute": 59, "second": 58}
